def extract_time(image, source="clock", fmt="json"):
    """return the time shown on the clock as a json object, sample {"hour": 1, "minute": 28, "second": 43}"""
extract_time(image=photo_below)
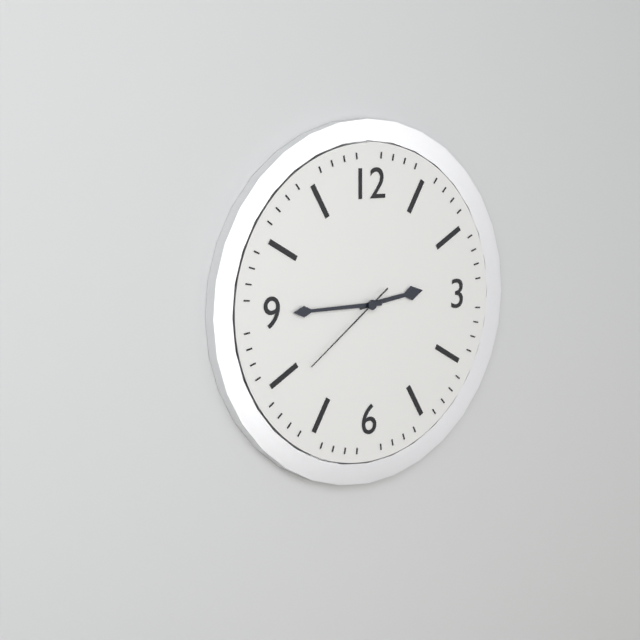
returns {"hour": 2, "minute": 45, "second": 39}
